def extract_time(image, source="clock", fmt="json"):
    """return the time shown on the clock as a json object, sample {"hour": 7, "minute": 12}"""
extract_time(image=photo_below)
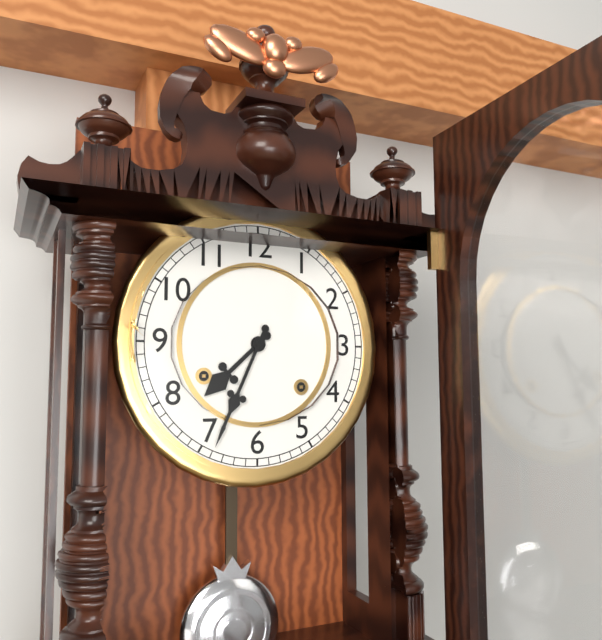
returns {"hour": 7, "minute": 34}
